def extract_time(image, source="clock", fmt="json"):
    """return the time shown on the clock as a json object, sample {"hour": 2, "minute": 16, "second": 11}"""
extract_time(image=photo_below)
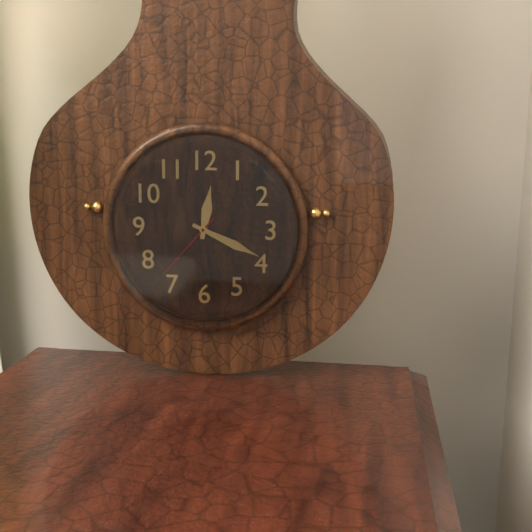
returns {"hour": 12, "minute": 19, "second": 37}
